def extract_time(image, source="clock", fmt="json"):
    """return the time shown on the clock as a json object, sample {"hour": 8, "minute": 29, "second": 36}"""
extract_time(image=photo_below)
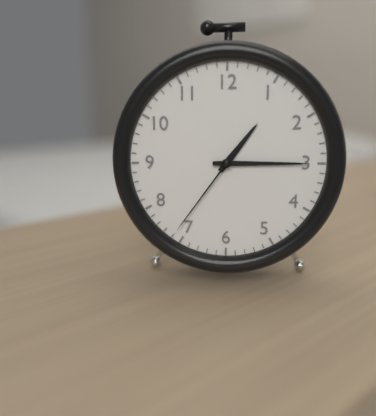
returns {"hour": 1, "minute": 15, "second": 36}
